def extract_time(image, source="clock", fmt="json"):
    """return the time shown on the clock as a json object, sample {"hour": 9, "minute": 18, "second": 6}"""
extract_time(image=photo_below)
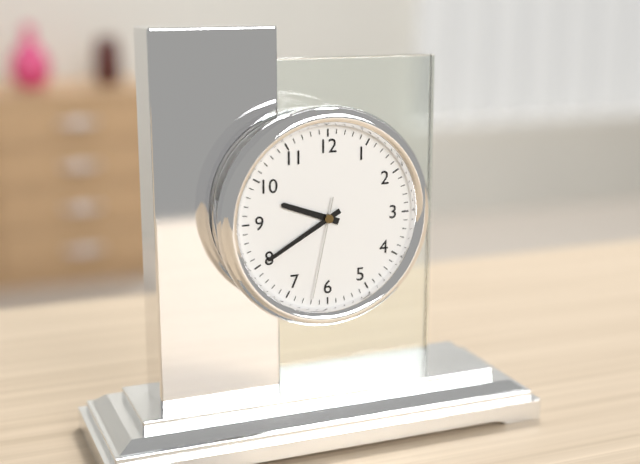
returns {"hour": 9, "minute": 40, "second": 32}
